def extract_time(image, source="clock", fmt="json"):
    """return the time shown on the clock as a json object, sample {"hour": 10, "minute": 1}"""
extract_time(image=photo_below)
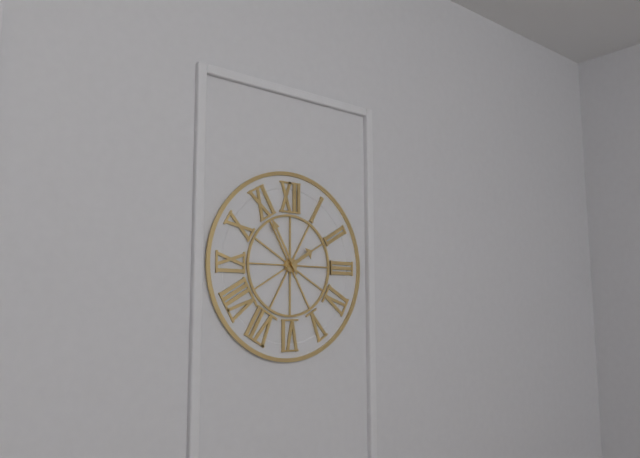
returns {"hour": 1, "minute": 55}
